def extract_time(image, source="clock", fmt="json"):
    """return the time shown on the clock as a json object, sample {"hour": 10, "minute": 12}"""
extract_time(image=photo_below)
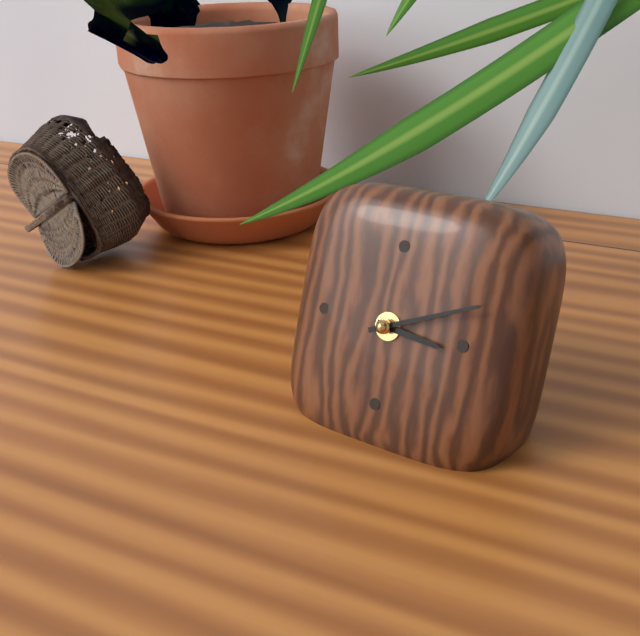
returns {"hour": 3, "minute": 11}
